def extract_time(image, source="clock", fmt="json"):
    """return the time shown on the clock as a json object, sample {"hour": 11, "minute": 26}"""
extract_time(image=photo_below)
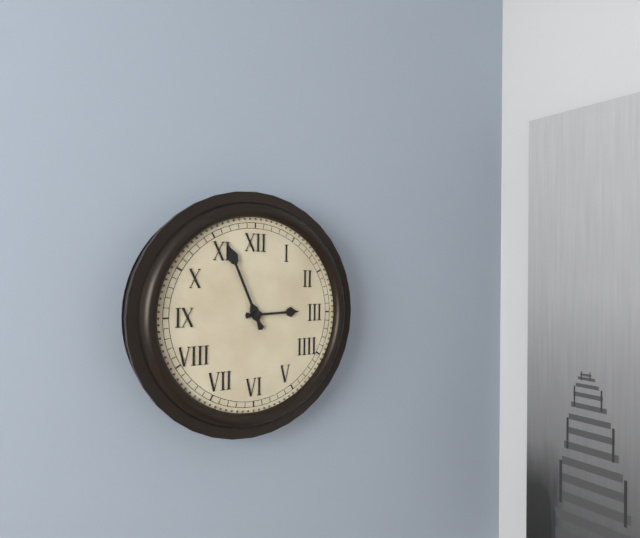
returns {"hour": 2, "minute": 56}
